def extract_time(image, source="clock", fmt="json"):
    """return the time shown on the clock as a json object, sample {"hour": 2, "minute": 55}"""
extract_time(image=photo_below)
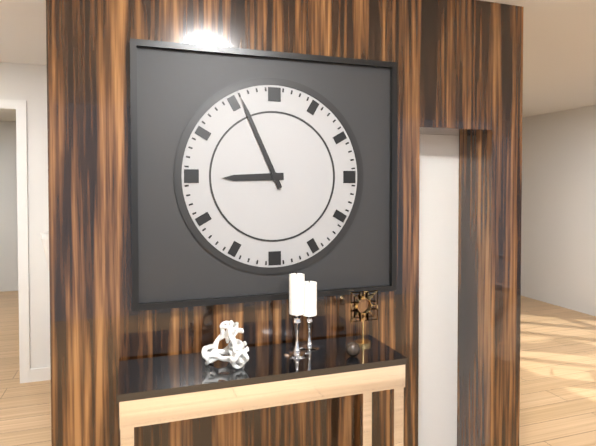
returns {"hour": 8, "minute": 56}
